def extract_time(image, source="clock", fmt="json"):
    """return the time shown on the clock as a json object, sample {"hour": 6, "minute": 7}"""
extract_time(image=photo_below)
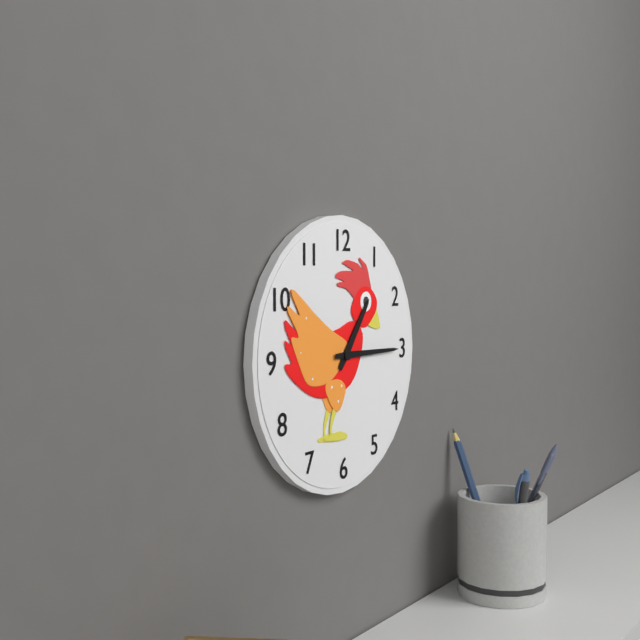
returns {"hour": 1, "minute": 15}
